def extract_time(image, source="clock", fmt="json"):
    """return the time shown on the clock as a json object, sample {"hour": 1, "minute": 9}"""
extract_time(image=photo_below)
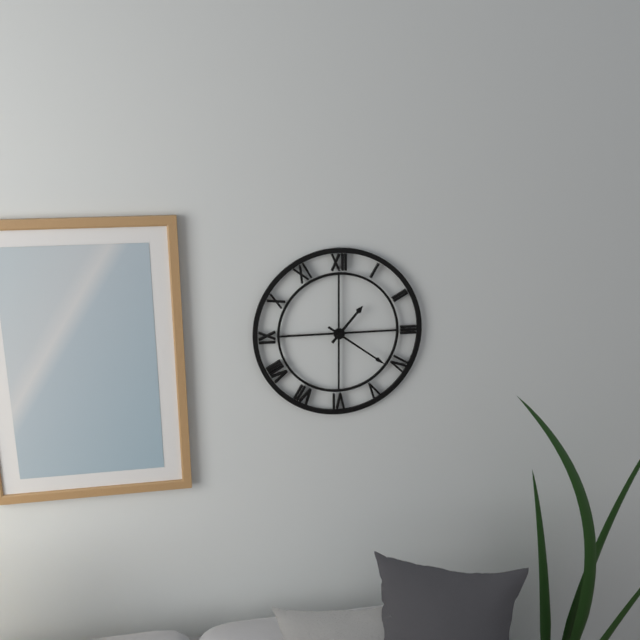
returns {"hour": 1, "minute": 21}
